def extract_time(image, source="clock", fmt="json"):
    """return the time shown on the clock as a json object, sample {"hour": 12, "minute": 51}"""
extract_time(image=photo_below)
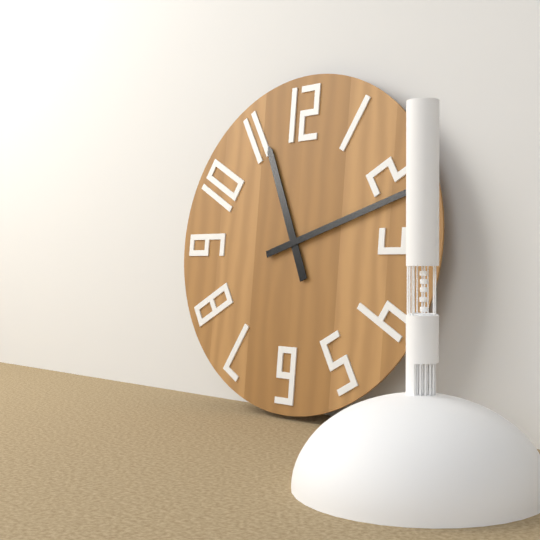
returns {"hour": 11, "minute": 12}
